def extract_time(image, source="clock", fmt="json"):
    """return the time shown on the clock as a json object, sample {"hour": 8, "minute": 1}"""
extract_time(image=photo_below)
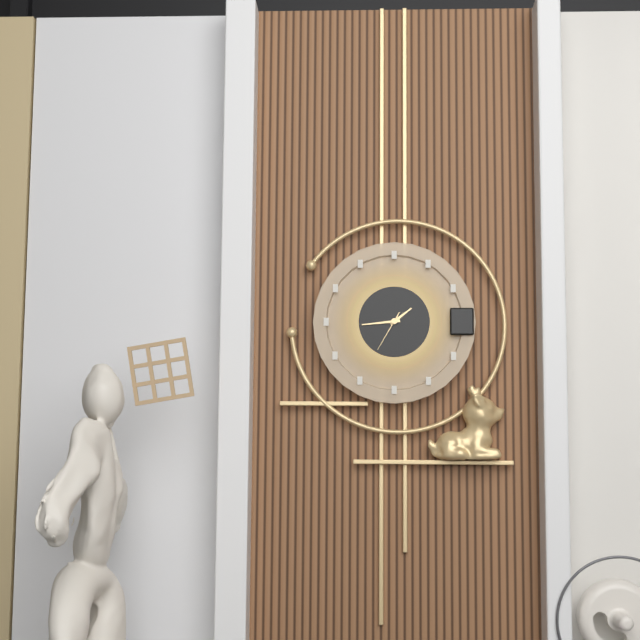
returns {"hour": 1, "minute": 44}
